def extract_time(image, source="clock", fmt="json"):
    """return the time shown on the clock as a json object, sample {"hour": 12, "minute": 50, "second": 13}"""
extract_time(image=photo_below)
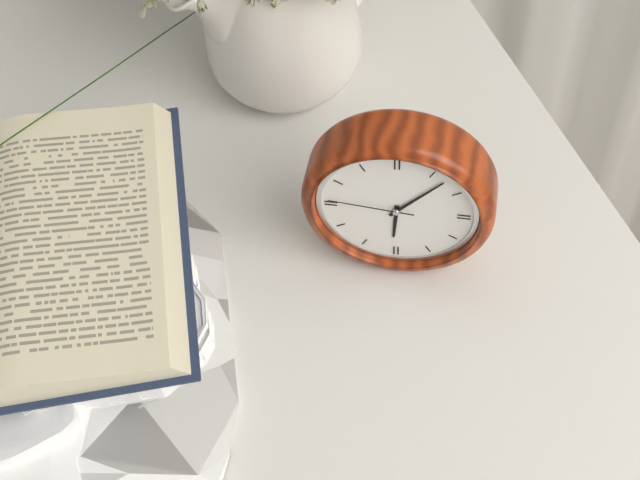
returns {"hour": 6, "minute": 7, "second": 46}
